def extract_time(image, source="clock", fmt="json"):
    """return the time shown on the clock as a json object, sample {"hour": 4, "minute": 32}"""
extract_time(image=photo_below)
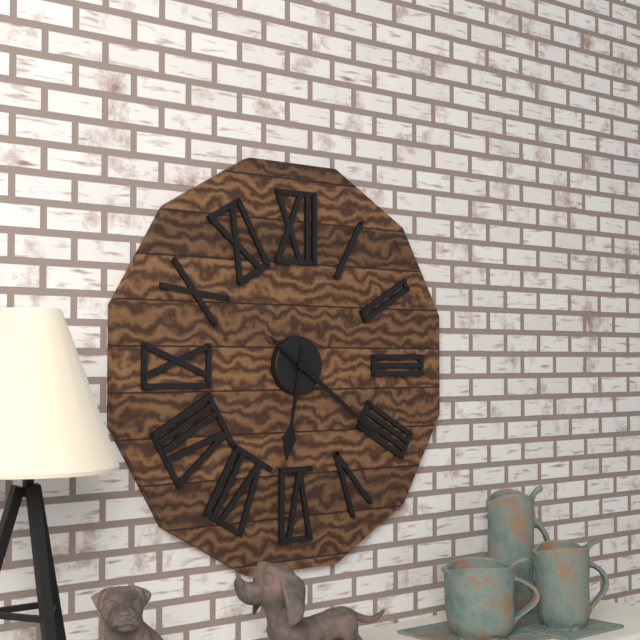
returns {"hour": 6, "minute": 21}
